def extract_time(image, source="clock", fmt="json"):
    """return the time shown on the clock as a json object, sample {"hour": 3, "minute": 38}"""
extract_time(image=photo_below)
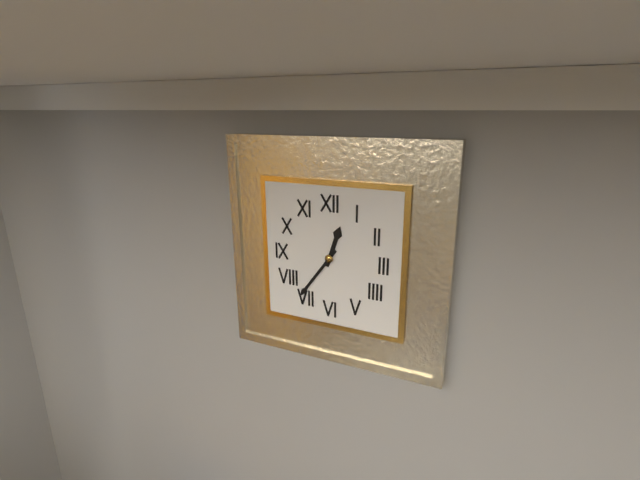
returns {"hour": 12, "minute": 36}
